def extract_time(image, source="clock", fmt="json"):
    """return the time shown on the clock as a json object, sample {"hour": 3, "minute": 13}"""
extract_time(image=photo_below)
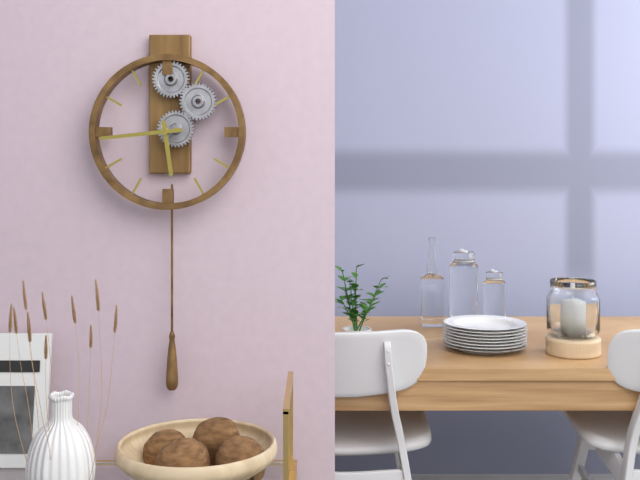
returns {"hour": 5, "minute": 44}
